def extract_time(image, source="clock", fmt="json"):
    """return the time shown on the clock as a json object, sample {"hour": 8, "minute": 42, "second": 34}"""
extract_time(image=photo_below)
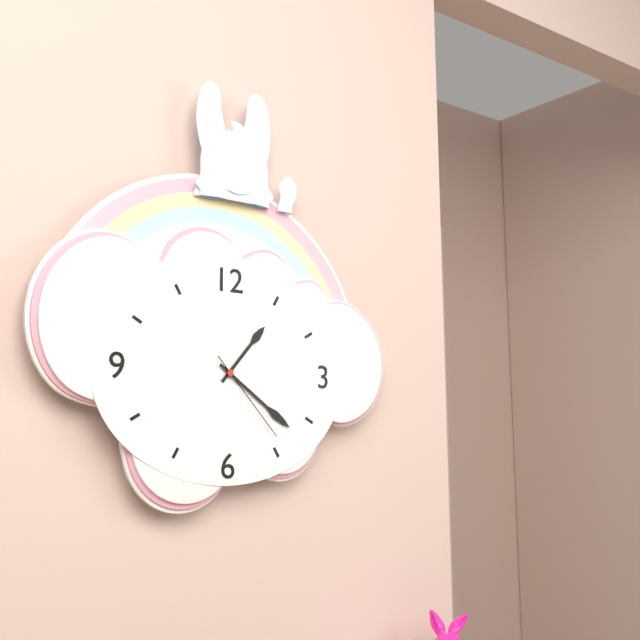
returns {"hour": 1, "minute": 21, "second": 23}
